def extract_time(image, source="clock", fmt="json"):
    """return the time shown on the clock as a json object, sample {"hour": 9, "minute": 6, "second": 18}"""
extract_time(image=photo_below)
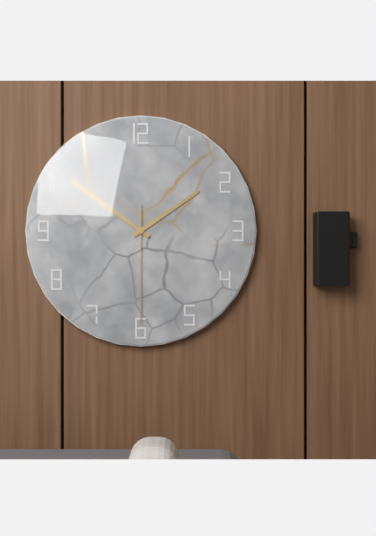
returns {"hour": 1, "minute": 51, "second": 30}
